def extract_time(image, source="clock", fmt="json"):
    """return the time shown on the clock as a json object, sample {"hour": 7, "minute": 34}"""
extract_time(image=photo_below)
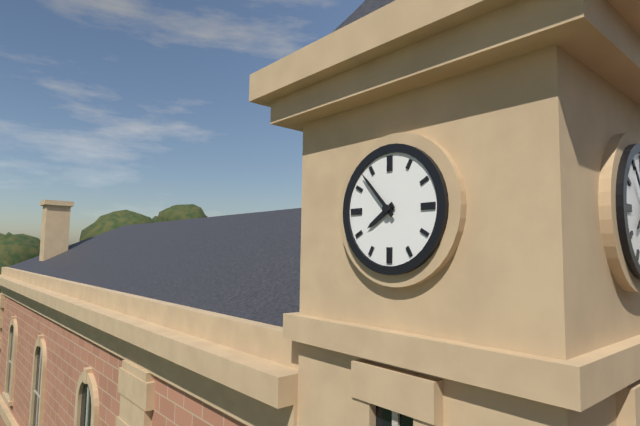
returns {"hour": 7, "minute": 53}
